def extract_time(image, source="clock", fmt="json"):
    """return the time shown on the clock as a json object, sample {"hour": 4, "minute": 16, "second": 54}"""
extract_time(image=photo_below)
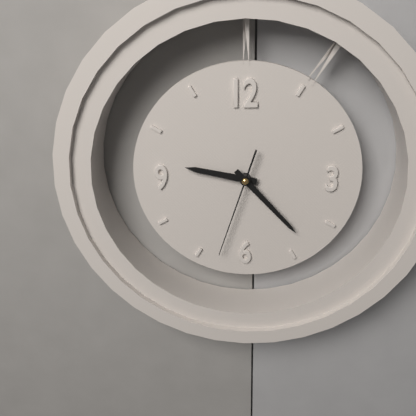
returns {"hour": 9, "minute": 23, "second": 33}
